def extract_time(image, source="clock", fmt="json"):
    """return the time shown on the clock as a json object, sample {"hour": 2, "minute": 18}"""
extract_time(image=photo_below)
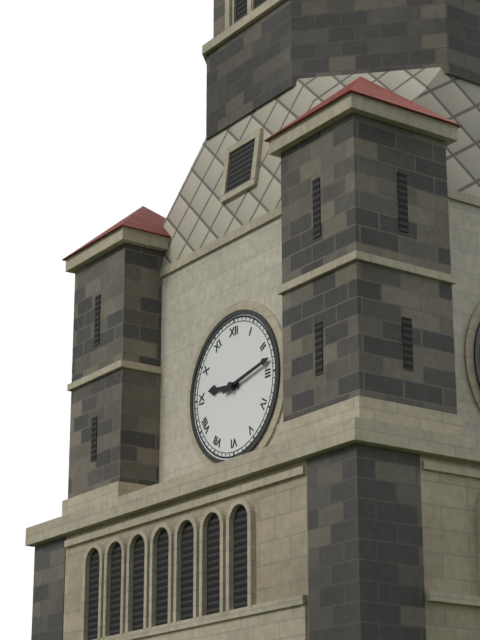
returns {"hour": 9, "minute": 13}
